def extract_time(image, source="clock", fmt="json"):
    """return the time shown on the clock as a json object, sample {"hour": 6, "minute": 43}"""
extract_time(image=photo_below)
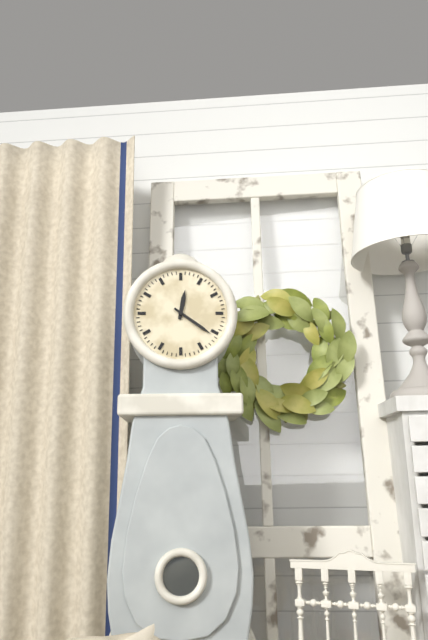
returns {"hour": 12, "minute": 21}
